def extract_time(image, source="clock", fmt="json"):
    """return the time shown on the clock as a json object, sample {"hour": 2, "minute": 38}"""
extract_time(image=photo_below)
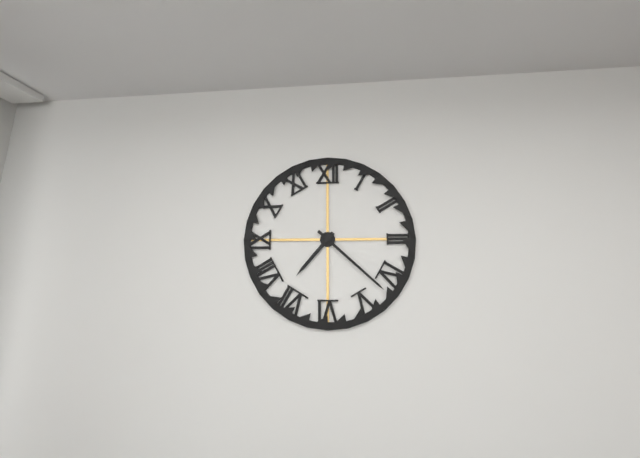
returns {"hour": 7, "minute": 22}
